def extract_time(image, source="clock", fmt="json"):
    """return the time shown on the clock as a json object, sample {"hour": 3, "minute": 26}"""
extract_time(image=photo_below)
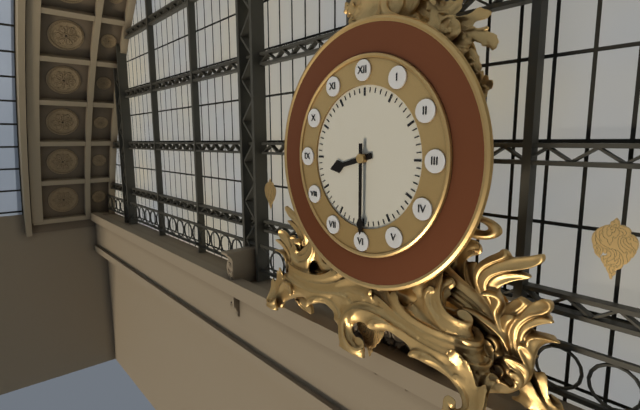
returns {"hour": 8, "minute": 30}
